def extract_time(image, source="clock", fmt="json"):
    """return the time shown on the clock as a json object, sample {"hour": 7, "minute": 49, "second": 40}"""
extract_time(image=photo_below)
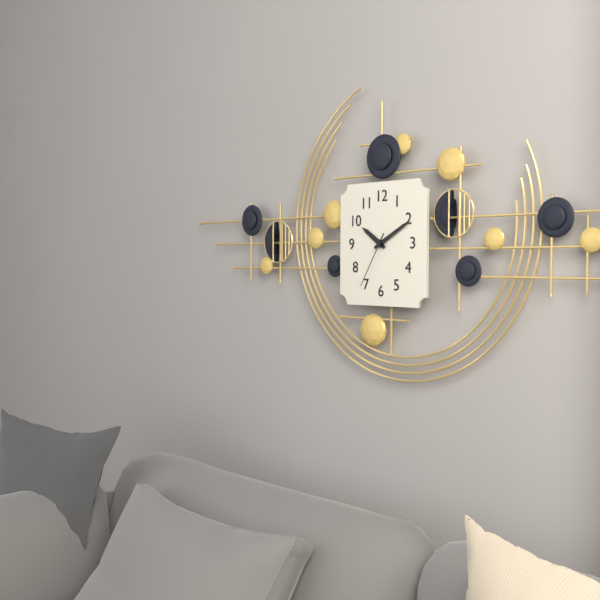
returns {"hour": 10, "minute": 10, "second": 35}
